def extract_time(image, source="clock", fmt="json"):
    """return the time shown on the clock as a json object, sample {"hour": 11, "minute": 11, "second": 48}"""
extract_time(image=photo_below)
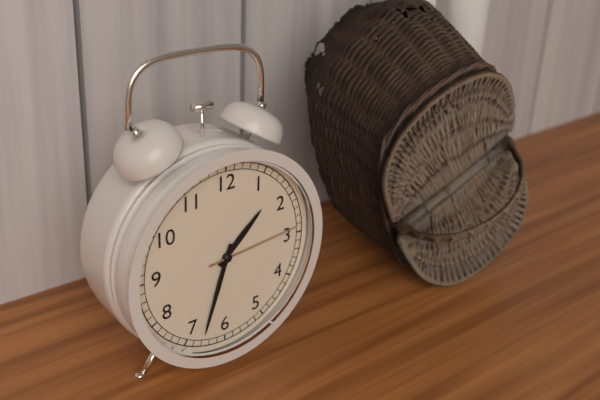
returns {"hour": 1, "minute": 33, "second": 14}
